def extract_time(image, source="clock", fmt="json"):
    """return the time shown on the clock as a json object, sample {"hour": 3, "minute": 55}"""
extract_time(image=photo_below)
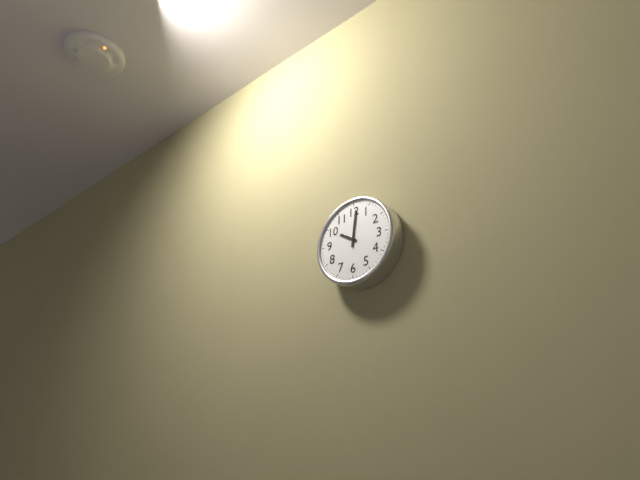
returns {"hour": 10, "minute": 1}
